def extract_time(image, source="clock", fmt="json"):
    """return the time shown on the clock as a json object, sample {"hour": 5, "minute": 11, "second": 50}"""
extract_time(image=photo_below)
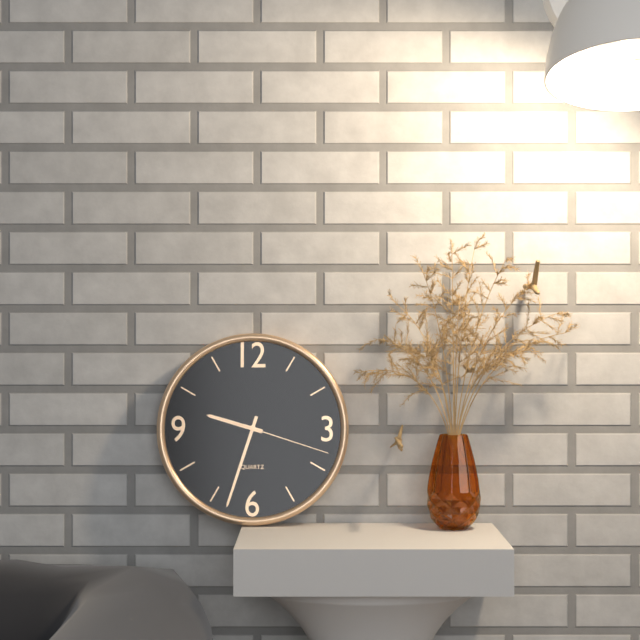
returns {"hour": 9, "minute": 33, "second": 18}
